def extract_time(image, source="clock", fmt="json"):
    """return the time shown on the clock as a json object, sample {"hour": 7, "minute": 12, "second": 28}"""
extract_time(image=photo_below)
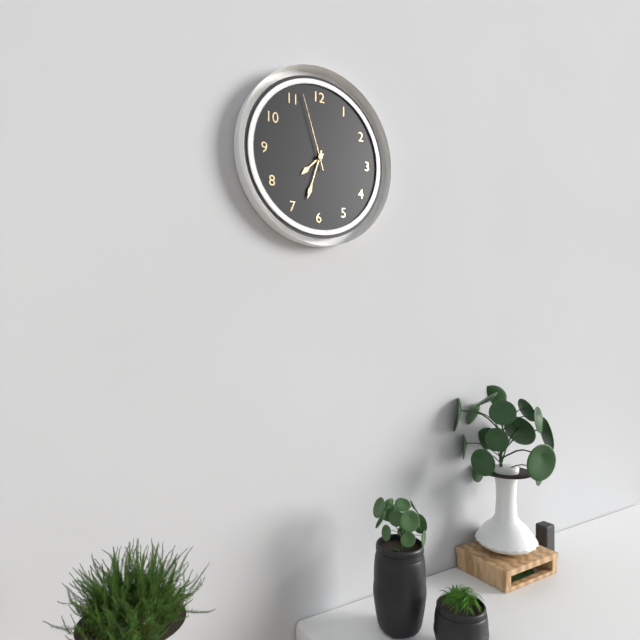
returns {"hour": 7, "minute": 33, "second": 57}
